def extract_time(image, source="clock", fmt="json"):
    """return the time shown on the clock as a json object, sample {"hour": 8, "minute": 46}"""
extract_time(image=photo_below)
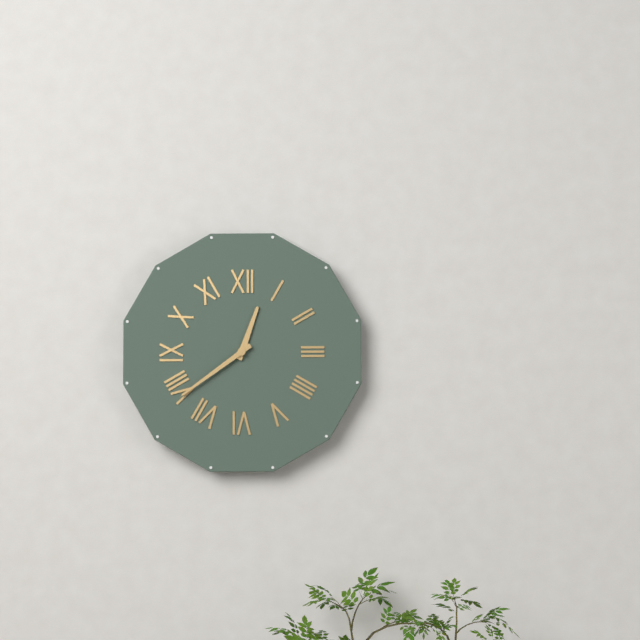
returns {"hour": 12, "minute": 39}
